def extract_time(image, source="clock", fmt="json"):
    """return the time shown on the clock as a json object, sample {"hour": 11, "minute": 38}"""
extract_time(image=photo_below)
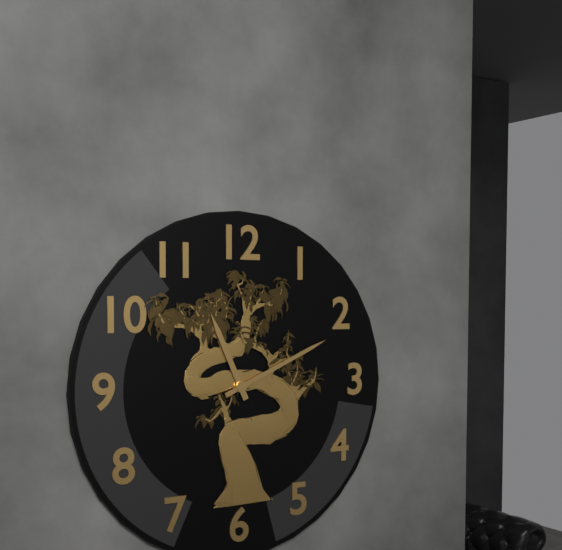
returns {"hour": 11, "minute": 11}
